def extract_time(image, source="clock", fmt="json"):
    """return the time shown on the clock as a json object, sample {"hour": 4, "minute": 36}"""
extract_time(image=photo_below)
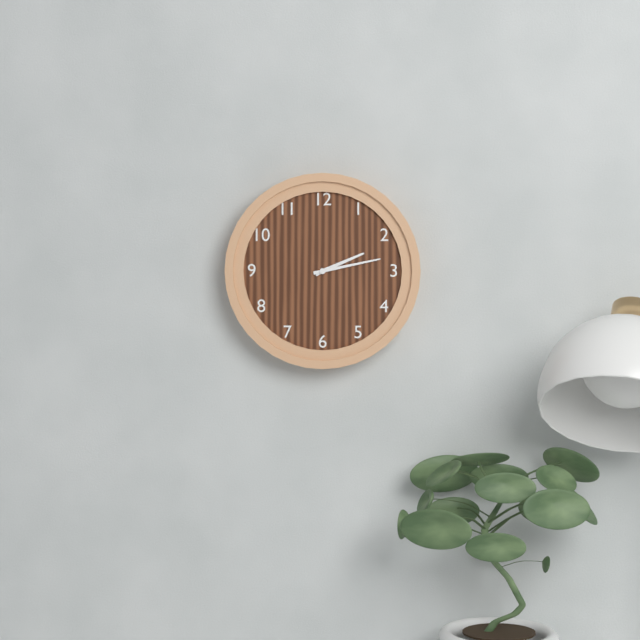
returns {"hour": 2, "minute": 13}
